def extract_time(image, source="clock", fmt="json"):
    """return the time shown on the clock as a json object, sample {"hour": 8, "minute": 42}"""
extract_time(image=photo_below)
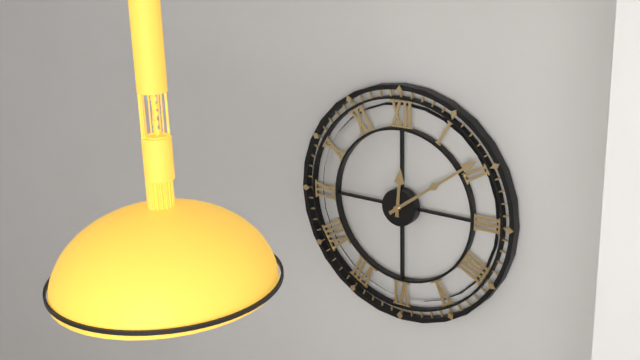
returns {"hour": 12, "minute": 9}
